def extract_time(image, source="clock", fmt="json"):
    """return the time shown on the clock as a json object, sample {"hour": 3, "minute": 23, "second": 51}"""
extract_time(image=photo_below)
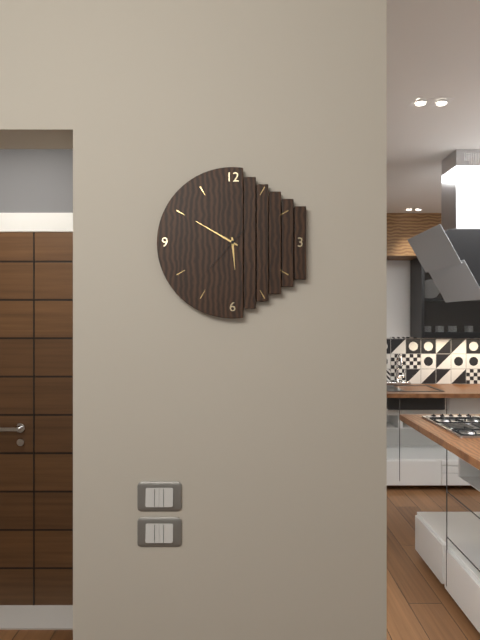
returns {"hour": 5, "minute": 50, "second": 37}
